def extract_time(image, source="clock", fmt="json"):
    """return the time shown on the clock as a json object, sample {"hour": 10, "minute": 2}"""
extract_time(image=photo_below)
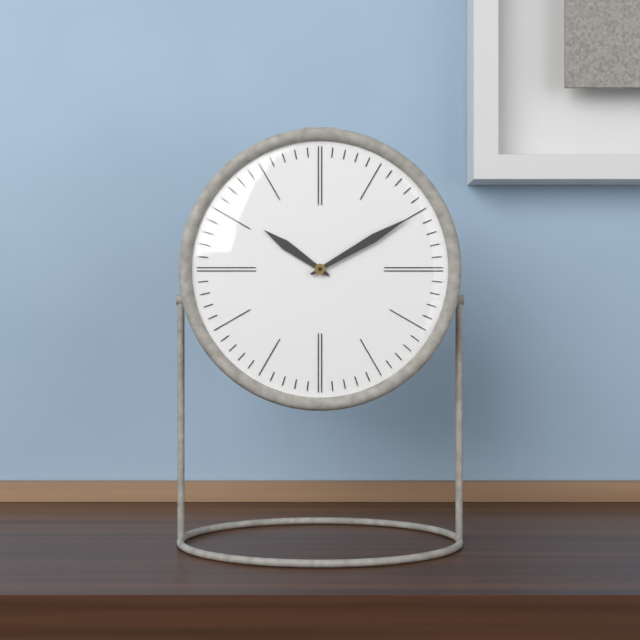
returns {"hour": 10, "minute": 10}
